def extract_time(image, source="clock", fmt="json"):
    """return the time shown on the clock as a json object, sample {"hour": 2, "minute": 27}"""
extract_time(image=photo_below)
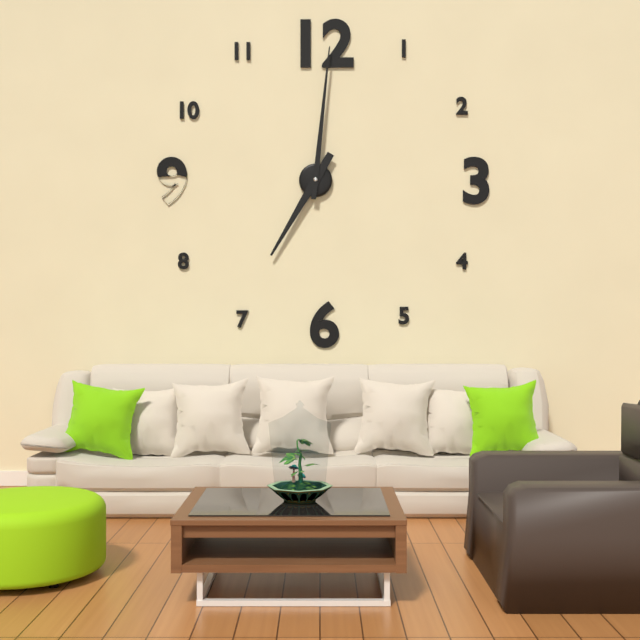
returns {"hour": 7, "minute": 1}
